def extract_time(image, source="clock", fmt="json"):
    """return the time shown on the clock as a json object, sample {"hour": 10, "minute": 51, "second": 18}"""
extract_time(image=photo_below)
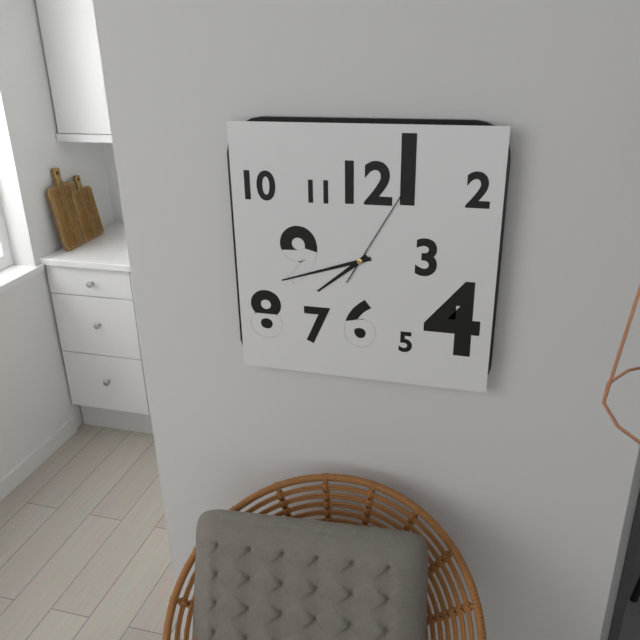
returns {"hour": 7, "minute": 42, "second": 5}
